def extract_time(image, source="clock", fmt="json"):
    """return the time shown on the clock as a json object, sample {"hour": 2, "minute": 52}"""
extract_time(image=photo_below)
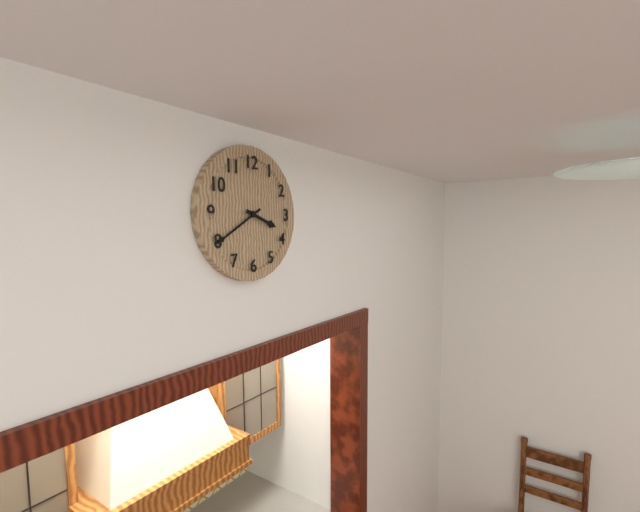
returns {"hour": 3, "minute": 40}
